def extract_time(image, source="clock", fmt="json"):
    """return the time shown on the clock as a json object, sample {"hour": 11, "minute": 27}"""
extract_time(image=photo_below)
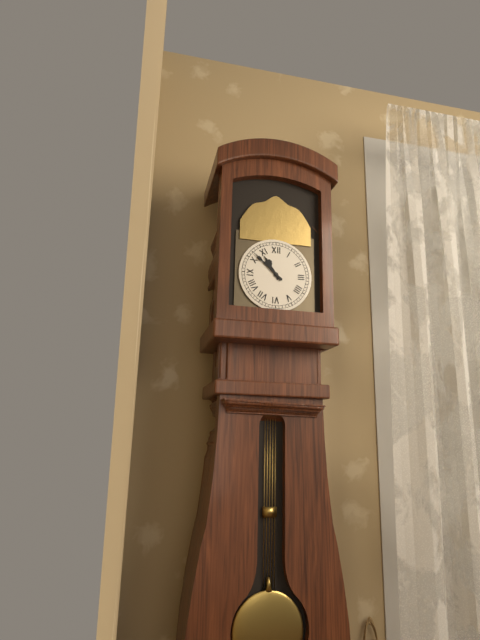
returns {"hour": 10, "minute": 52}
